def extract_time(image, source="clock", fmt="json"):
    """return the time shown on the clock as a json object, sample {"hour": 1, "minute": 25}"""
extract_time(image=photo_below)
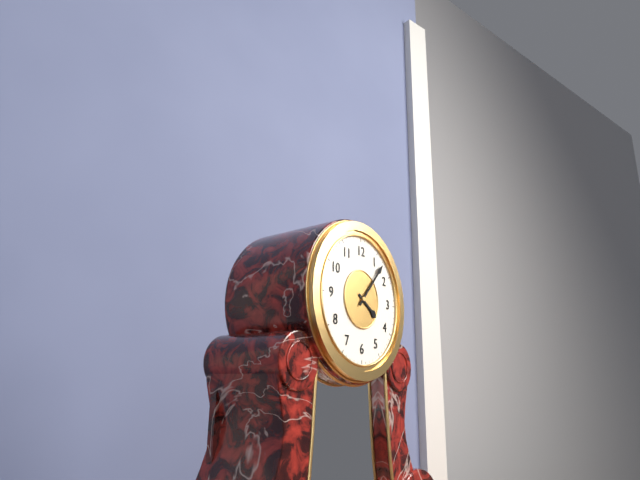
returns {"hour": 4, "minute": 7}
